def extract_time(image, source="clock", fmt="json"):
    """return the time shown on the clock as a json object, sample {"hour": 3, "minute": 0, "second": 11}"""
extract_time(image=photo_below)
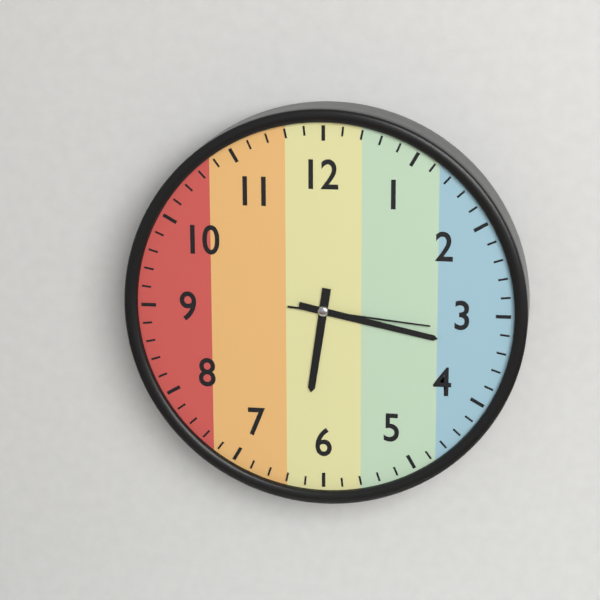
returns {"hour": 6, "minute": 17, "second": 16}
